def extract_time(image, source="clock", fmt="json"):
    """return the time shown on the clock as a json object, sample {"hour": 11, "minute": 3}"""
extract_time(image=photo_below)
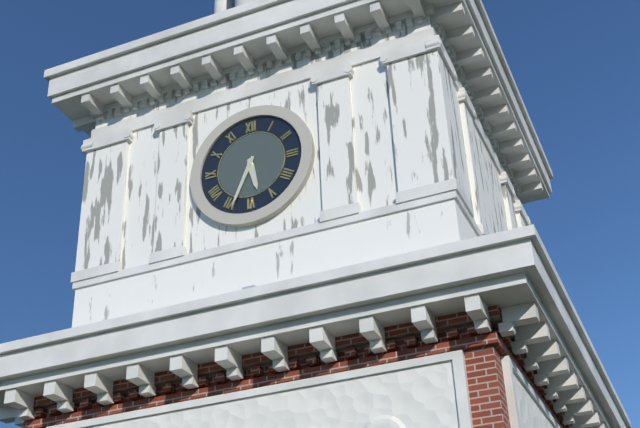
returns {"hour": 5, "minute": 34}
